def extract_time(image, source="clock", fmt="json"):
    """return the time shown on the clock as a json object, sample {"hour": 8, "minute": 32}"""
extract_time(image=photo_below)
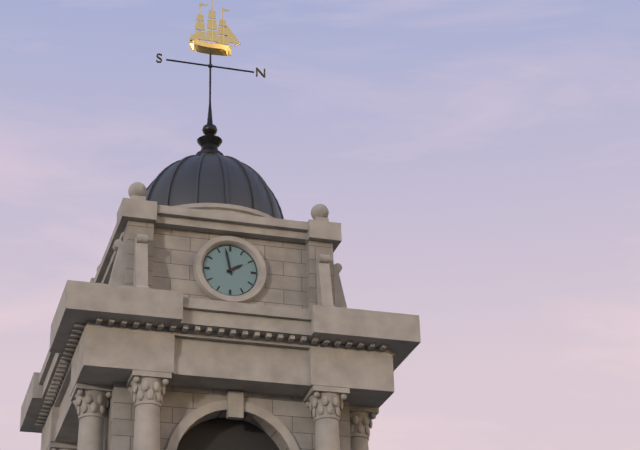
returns {"hour": 1, "minute": 58}
